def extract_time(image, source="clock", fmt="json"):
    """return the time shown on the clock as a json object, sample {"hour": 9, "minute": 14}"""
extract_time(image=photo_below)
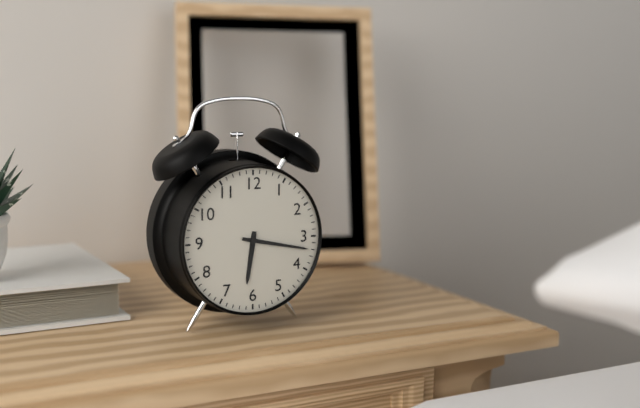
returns {"hour": 6, "minute": 17}
